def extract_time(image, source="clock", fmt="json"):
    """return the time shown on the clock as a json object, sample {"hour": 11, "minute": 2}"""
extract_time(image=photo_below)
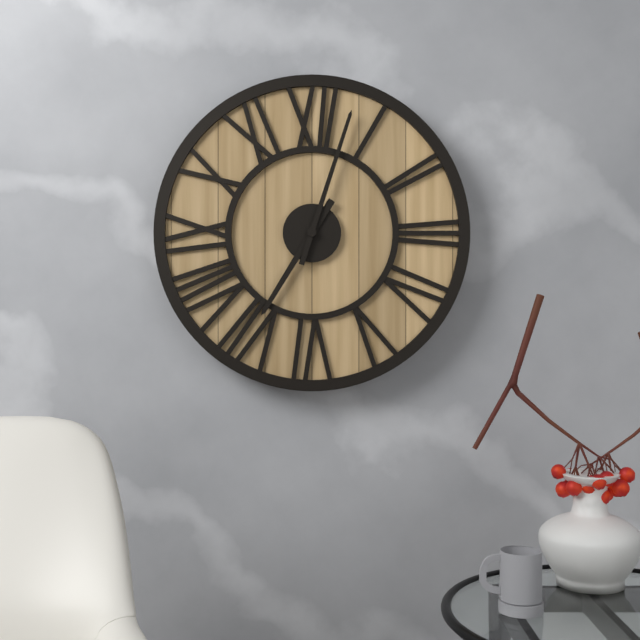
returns {"hour": 7, "minute": 3}
